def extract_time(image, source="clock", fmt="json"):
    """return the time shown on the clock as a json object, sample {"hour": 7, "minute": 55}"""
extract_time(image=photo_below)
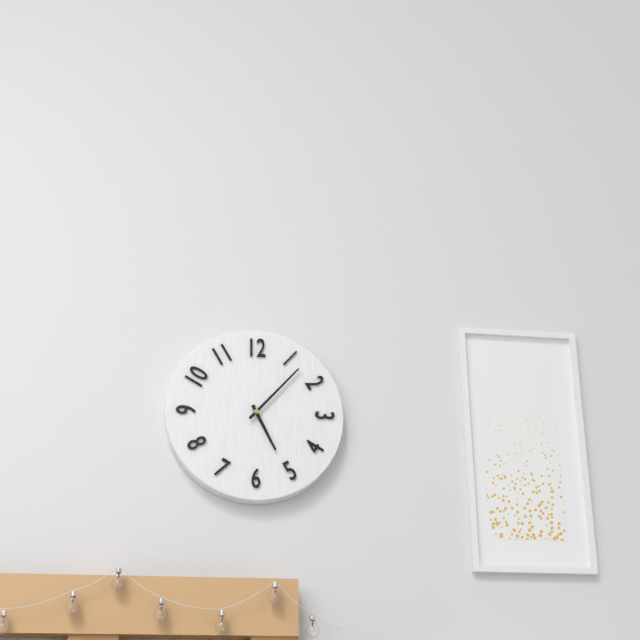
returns {"hour": 5, "minute": 7}
